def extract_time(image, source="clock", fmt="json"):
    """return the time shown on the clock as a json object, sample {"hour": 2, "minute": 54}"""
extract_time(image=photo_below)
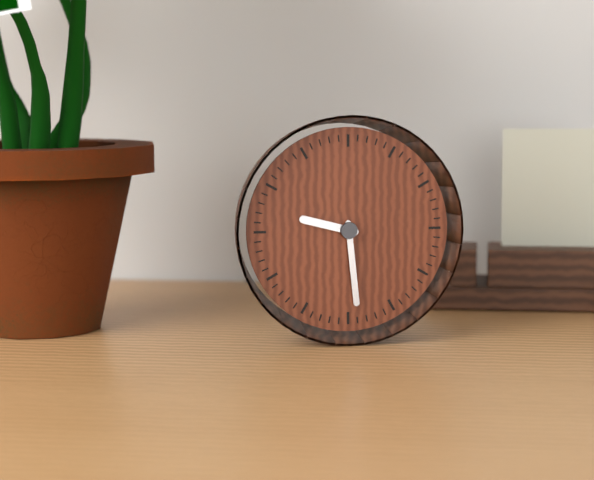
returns {"hour": 9, "minute": 29}
